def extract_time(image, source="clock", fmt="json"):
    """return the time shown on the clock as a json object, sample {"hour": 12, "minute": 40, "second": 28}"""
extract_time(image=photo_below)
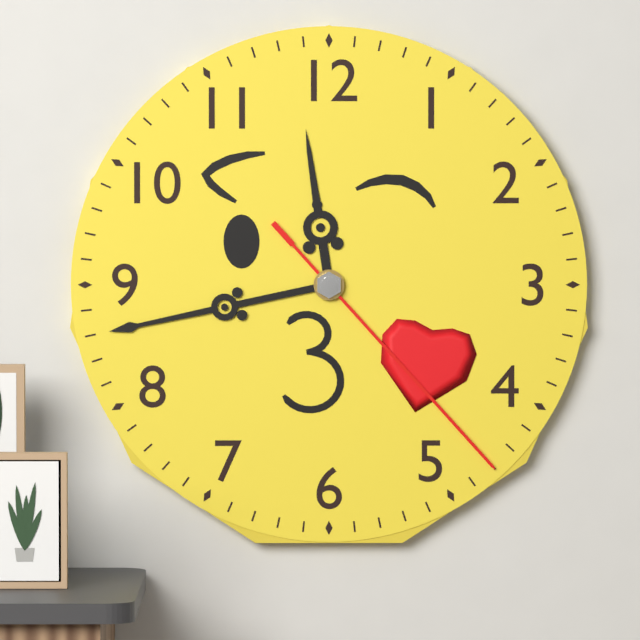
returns {"hour": 11, "minute": 43, "second": 23}
